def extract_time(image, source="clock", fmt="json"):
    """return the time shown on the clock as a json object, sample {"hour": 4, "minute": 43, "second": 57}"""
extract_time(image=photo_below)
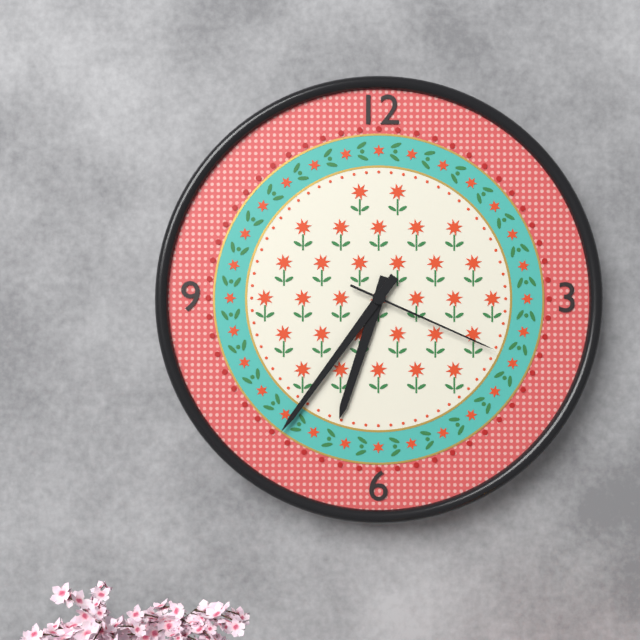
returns {"hour": 6, "minute": 36, "second": 19}
